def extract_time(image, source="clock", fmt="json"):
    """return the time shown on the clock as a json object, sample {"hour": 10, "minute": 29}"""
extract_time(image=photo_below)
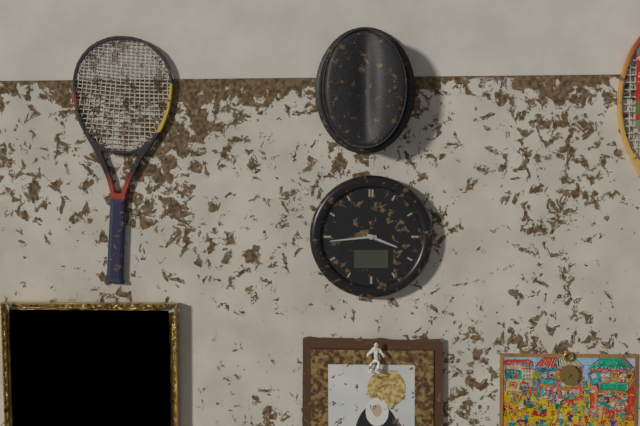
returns {"hour": 3, "minute": 44}
